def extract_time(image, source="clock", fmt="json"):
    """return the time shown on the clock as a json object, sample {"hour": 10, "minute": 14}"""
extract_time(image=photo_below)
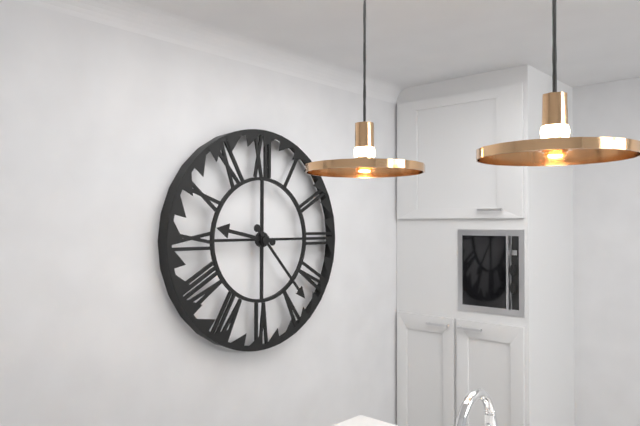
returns {"hour": 9, "minute": 23}
